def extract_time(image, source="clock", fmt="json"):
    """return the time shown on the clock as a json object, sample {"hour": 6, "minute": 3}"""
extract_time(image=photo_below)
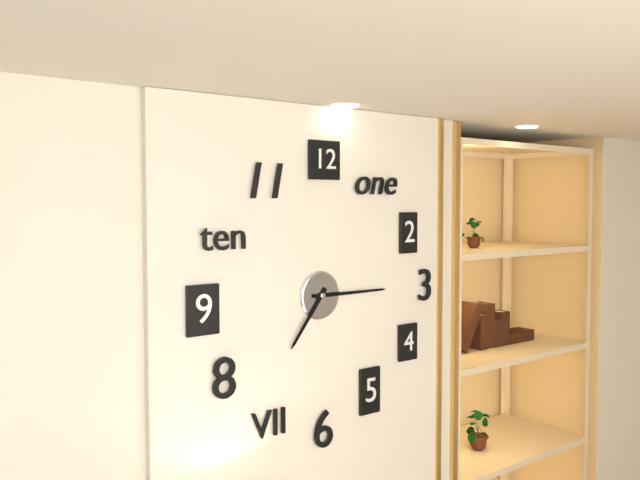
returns {"hour": 7, "minute": 15}
